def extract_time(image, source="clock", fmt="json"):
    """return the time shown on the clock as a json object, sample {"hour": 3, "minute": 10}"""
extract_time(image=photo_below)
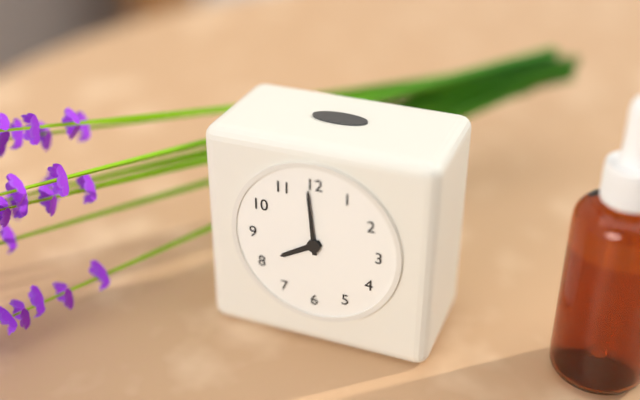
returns {"hour": 7, "minute": 59}
